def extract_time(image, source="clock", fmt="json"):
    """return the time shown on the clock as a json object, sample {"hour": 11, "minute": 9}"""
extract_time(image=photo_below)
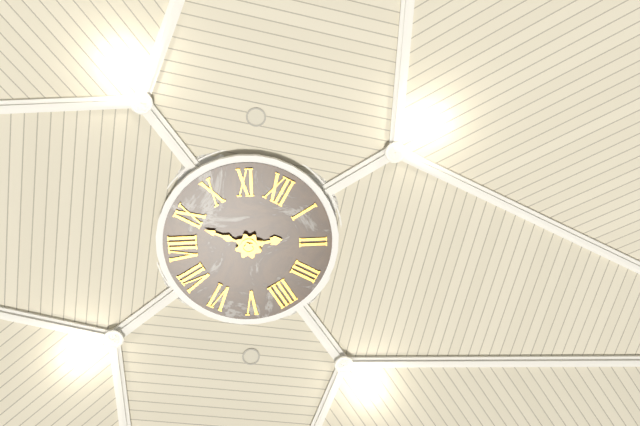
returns {"hour": 1, "minute": 44}
